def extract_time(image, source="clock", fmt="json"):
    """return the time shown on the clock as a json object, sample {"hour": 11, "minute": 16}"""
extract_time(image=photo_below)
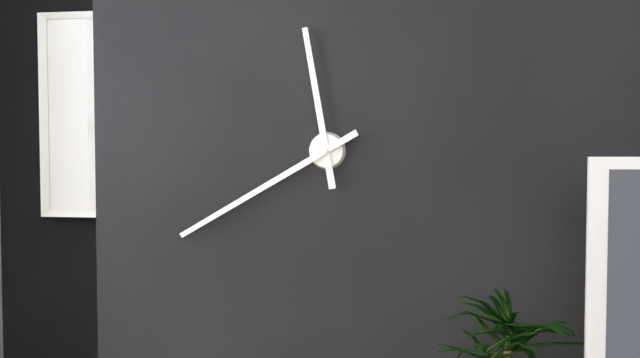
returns {"hour": 11, "minute": 40}
